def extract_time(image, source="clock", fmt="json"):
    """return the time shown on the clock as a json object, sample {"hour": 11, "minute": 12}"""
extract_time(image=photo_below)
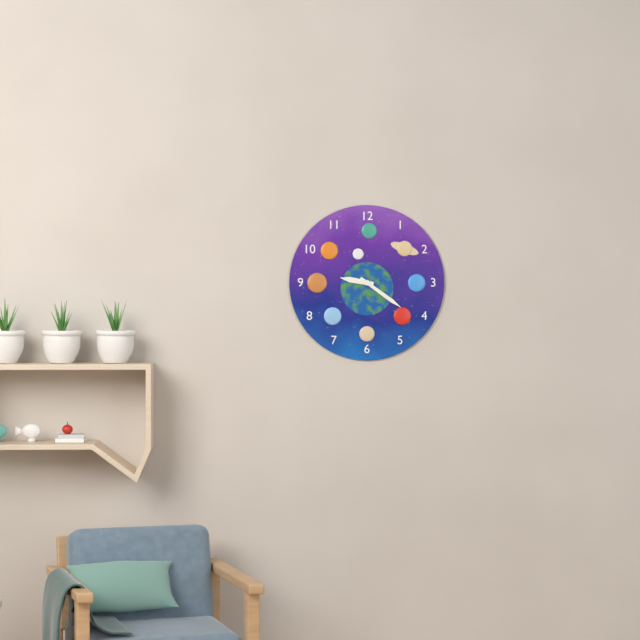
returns {"hour": 9, "minute": 21}
